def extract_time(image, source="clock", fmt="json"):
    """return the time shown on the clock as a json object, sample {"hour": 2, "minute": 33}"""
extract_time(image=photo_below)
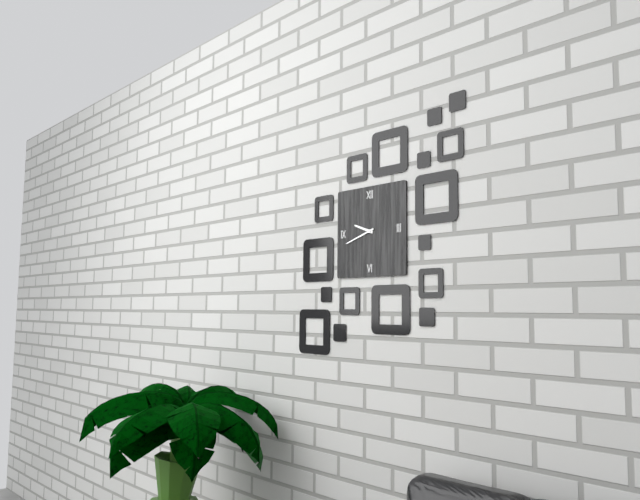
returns {"hour": 9, "minute": 42}
